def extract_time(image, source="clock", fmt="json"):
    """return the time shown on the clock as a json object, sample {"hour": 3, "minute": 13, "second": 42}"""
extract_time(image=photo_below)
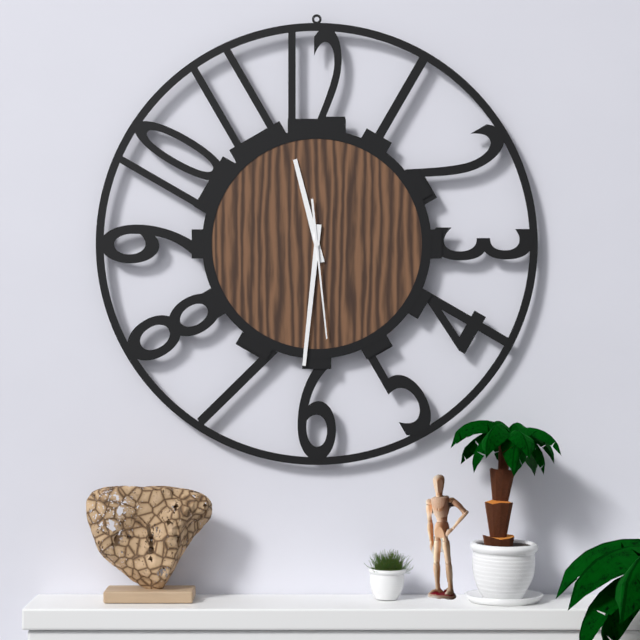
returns {"hour": 11, "minute": 31, "second": 29}
